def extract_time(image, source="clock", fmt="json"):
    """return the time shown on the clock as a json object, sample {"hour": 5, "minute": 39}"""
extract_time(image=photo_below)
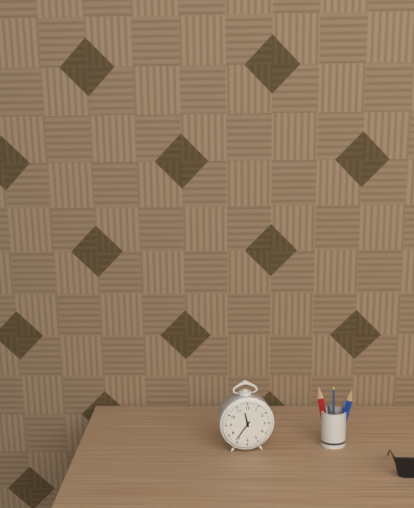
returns {"hour": 11, "minute": 36}
